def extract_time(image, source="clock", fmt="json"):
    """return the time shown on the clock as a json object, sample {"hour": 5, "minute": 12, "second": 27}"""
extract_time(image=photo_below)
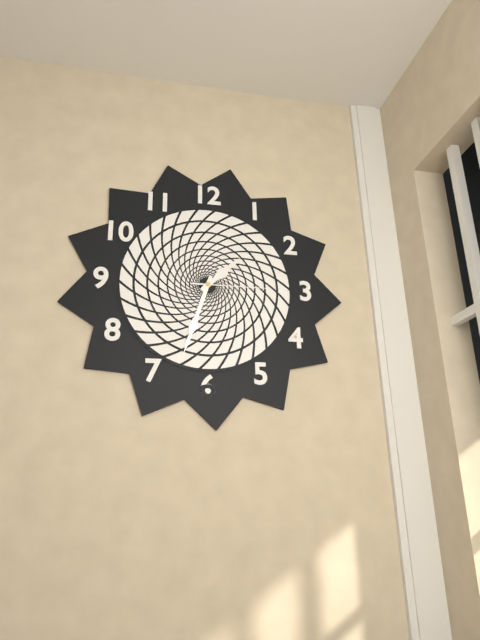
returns {"hour": 1, "minute": 33, "second": 15}
